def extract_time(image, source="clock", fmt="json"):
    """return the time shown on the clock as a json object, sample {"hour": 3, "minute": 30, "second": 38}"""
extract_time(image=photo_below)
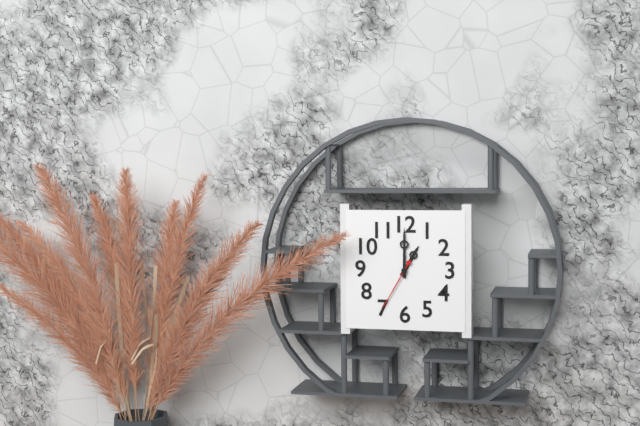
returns {"hour": 1, "minute": 0, "second": 35}
